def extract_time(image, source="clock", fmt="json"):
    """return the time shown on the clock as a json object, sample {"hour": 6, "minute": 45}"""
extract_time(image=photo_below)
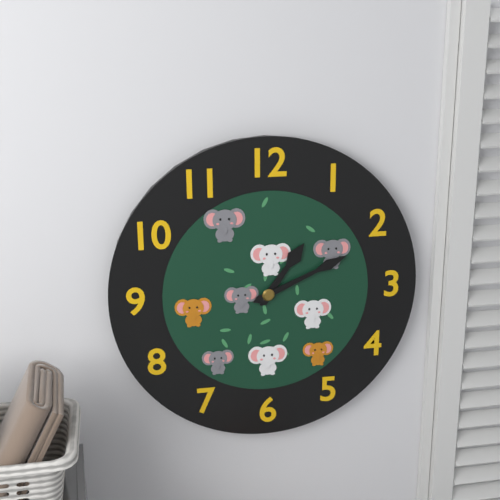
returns {"hour": 1, "minute": 11}
